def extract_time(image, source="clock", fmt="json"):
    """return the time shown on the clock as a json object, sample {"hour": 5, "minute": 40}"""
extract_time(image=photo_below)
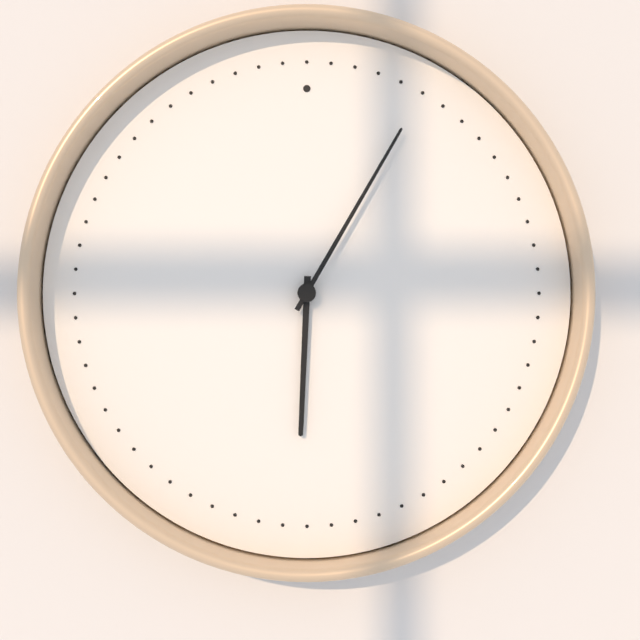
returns {"hour": 6, "minute": 5}
